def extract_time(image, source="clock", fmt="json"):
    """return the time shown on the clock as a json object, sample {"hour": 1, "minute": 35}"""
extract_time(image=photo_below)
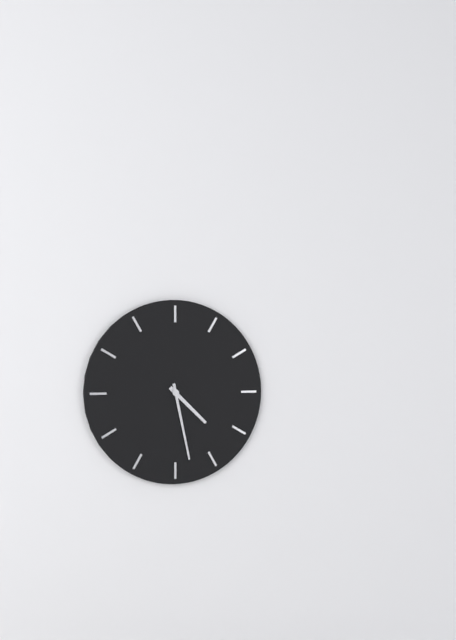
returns {"hour": 4, "minute": 28}
